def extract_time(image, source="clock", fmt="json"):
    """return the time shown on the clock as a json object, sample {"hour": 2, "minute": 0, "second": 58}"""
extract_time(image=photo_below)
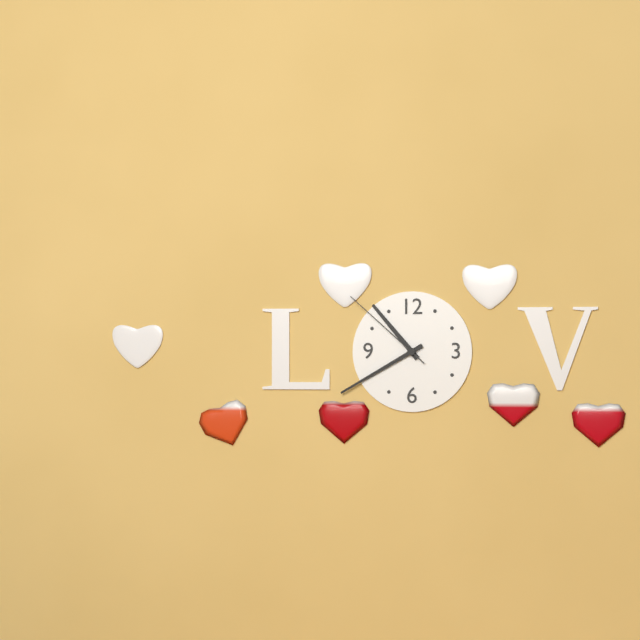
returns {"hour": 10, "minute": 40, "second": 52}
